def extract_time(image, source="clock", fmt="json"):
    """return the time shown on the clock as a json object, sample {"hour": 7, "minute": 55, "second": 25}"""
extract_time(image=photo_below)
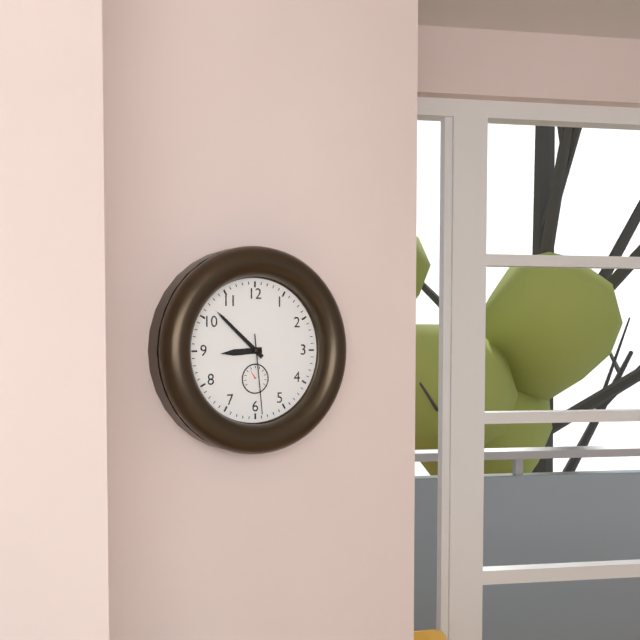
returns {"hour": 8, "minute": 52, "second": 29}
